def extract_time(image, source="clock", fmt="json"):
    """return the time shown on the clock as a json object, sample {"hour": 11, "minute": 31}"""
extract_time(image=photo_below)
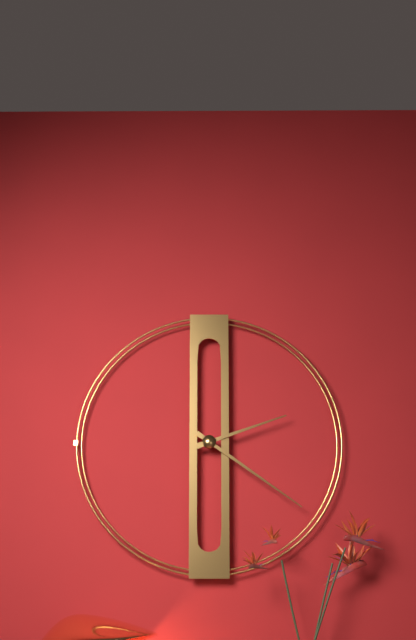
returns {"hour": 2, "minute": 21}
